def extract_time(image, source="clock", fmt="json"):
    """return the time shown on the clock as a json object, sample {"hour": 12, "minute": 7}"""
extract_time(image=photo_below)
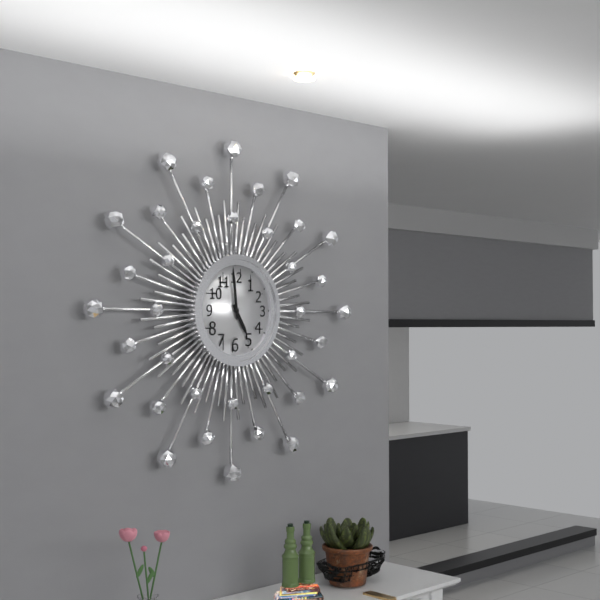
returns {"hour": 4, "minute": 59}
